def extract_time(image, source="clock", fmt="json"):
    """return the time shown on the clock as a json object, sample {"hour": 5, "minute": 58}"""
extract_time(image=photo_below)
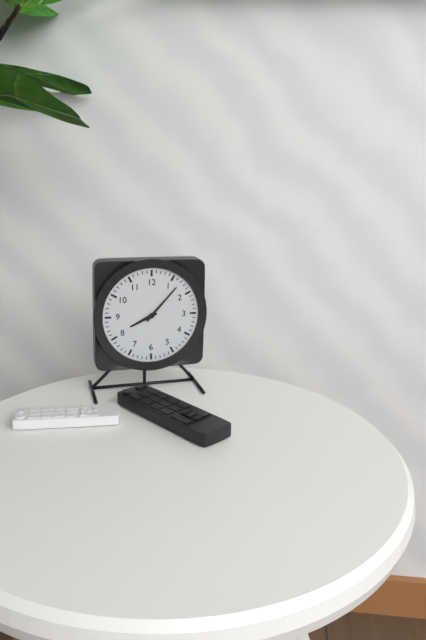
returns {"hour": 8, "minute": 7}
